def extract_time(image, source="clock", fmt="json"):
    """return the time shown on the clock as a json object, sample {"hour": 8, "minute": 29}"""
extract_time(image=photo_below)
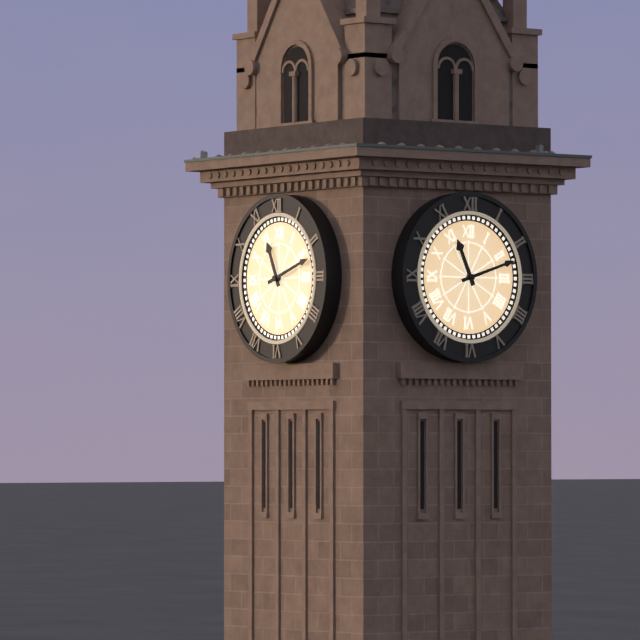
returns {"hour": 11, "minute": 12}
